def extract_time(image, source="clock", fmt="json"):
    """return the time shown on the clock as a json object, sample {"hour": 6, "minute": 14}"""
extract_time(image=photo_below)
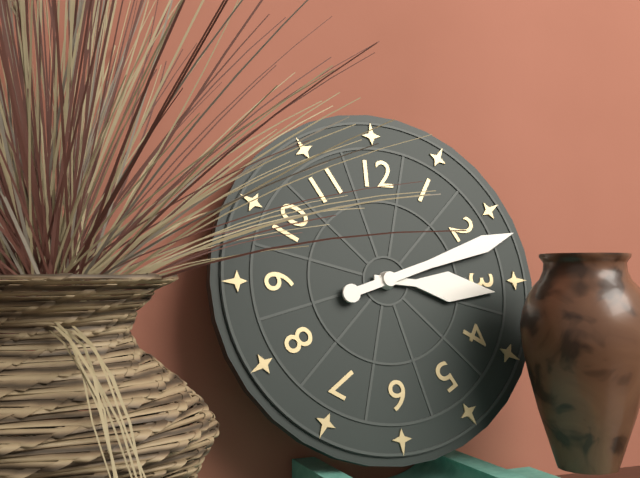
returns {"hour": 3, "minute": 12}
